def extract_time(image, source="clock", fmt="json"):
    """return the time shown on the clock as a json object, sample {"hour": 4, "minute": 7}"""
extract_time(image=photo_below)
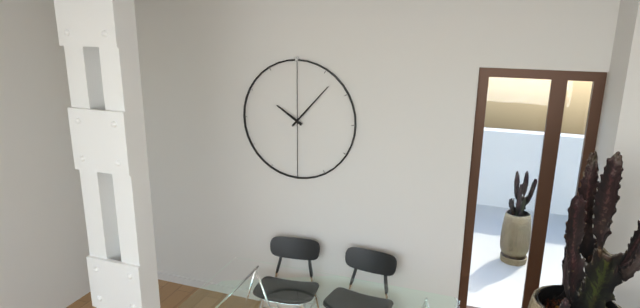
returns {"hour": 10, "minute": 7}
